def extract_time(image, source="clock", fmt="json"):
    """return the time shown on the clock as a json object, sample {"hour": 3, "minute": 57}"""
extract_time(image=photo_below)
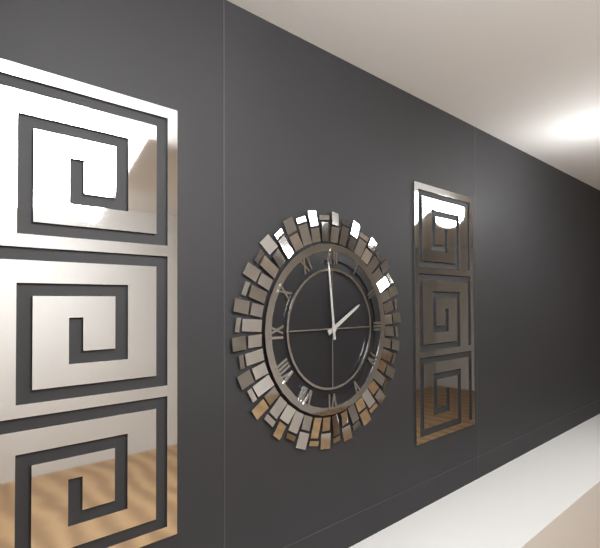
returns {"hour": 1, "minute": 59}
